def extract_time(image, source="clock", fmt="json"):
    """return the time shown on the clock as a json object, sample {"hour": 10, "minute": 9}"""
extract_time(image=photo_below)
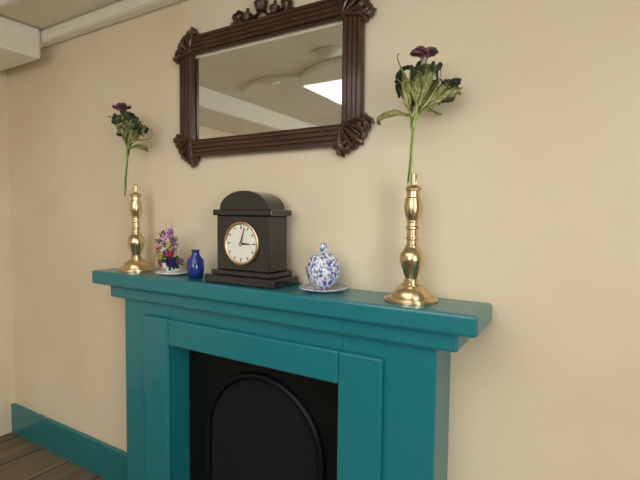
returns {"hour": 3, "minute": 3}
